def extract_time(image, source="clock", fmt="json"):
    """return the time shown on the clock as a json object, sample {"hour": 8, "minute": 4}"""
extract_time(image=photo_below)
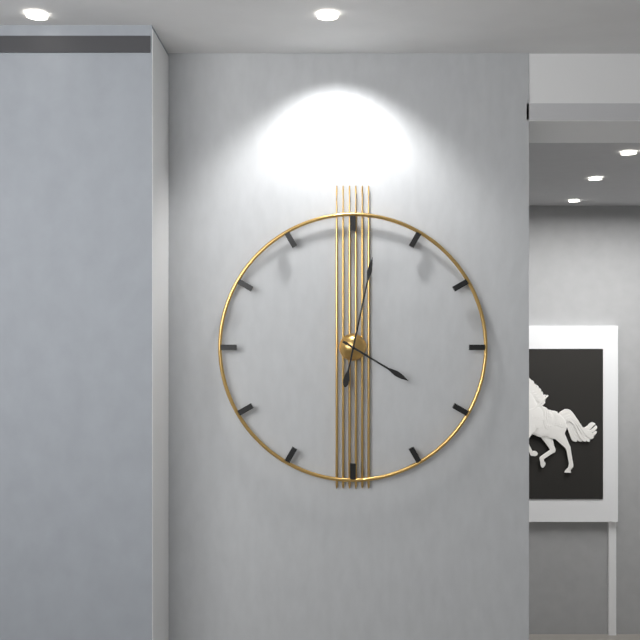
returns {"hour": 4, "minute": 2}
